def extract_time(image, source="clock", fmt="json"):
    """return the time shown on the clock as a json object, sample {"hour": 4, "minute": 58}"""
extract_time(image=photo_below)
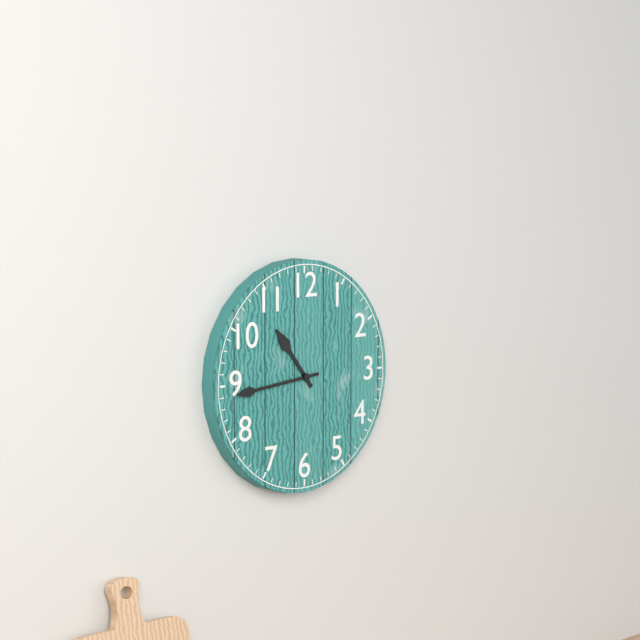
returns {"hour": 10, "minute": 44}
